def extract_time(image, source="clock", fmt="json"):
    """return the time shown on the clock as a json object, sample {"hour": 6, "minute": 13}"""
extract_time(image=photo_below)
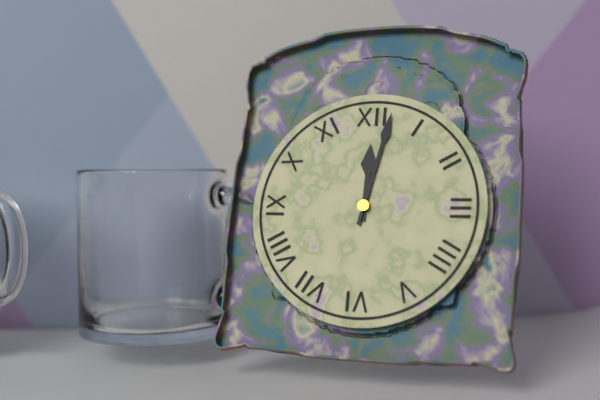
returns {"hour": 12, "minute": 2}
